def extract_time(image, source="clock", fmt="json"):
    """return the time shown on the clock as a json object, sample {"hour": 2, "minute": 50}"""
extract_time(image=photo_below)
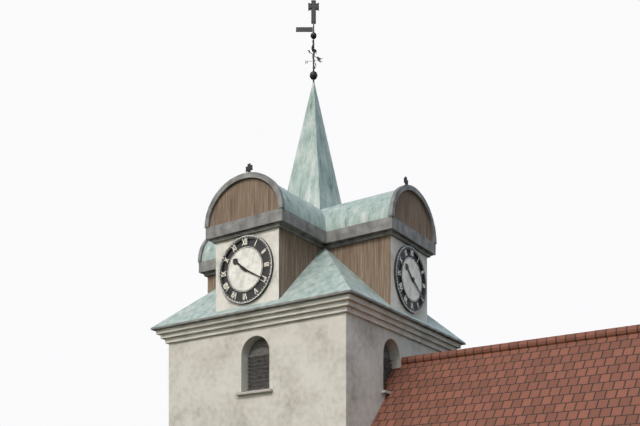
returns {"hour": 10, "minute": 20}
